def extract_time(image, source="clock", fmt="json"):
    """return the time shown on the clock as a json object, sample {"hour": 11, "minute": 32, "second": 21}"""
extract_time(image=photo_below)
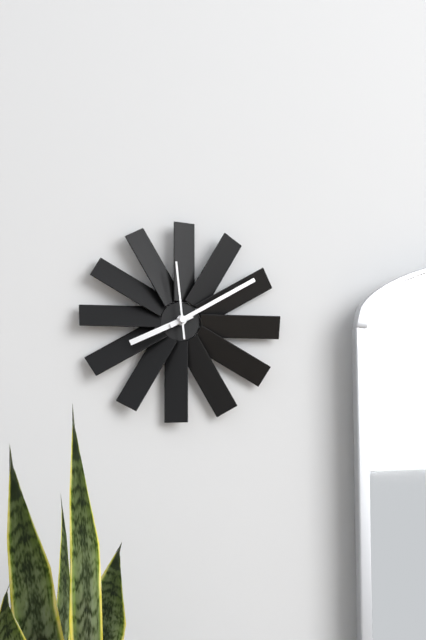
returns {"hour": 8, "minute": 10, "second": 59}
